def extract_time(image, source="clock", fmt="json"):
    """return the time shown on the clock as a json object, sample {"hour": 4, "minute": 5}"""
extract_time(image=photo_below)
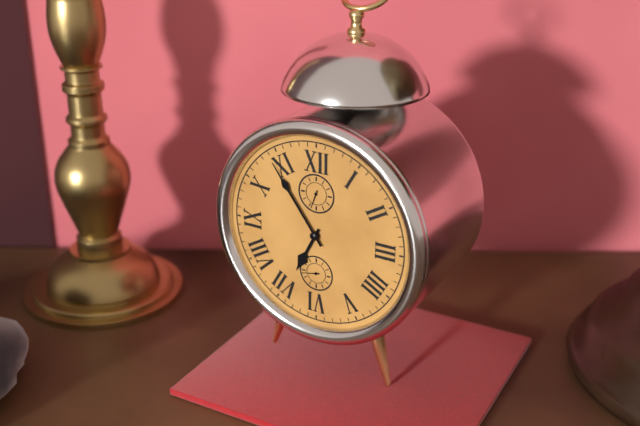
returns {"hour": 6, "minute": 54}
